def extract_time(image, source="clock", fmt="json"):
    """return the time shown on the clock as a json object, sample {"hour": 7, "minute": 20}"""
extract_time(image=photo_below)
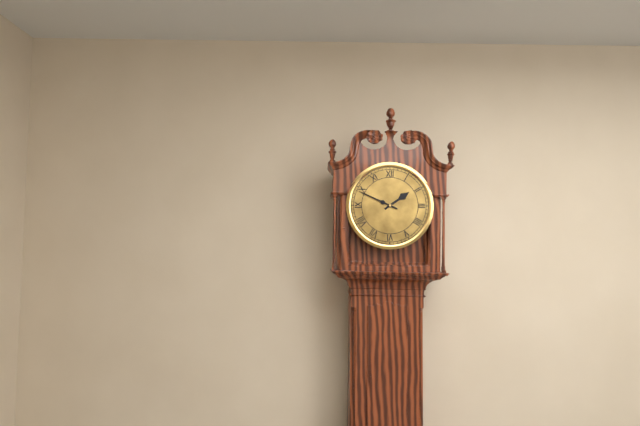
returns {"hour": 1, "minute": 49}
